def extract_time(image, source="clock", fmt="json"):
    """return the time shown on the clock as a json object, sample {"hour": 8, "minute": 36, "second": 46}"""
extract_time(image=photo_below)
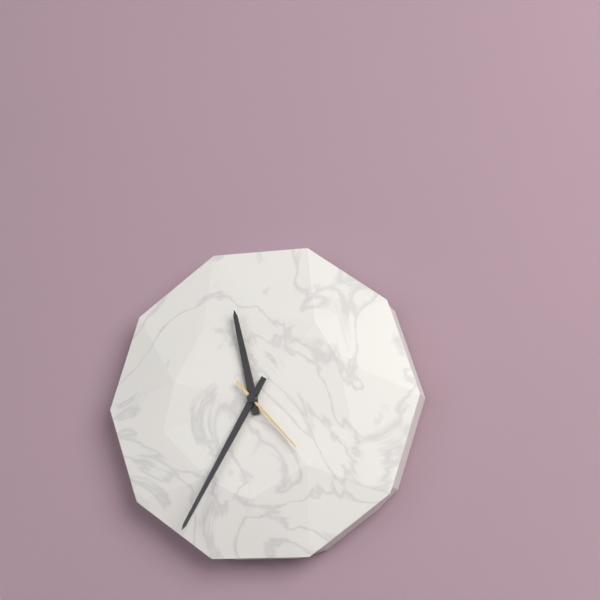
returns {"hour": 11, "minute": 35, "second": 23}
